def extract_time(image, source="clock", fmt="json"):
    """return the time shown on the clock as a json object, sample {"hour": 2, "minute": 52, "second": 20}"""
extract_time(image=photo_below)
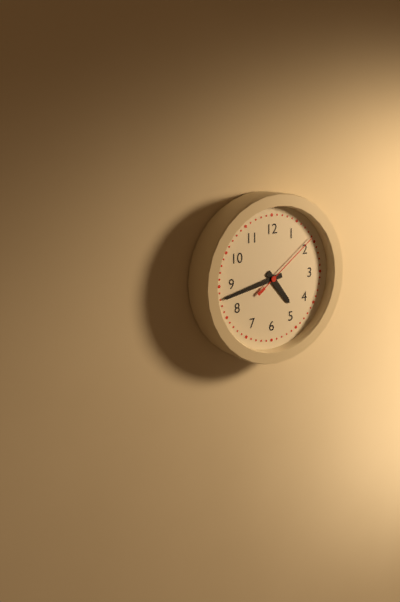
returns {"hour": 4, "minute": 43, "second": 9}
